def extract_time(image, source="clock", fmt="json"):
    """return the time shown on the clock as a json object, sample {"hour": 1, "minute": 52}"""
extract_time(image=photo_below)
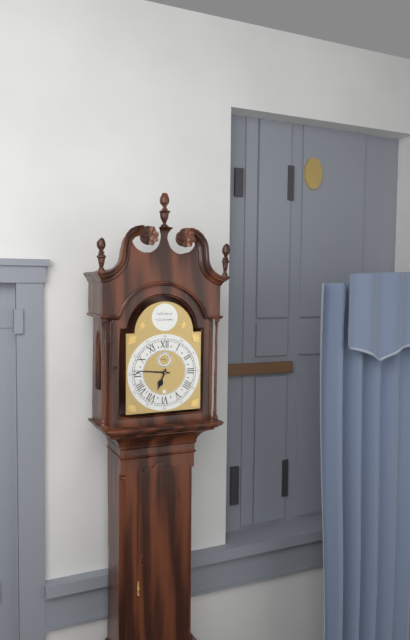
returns {"hour": 6, "minute": 46}
